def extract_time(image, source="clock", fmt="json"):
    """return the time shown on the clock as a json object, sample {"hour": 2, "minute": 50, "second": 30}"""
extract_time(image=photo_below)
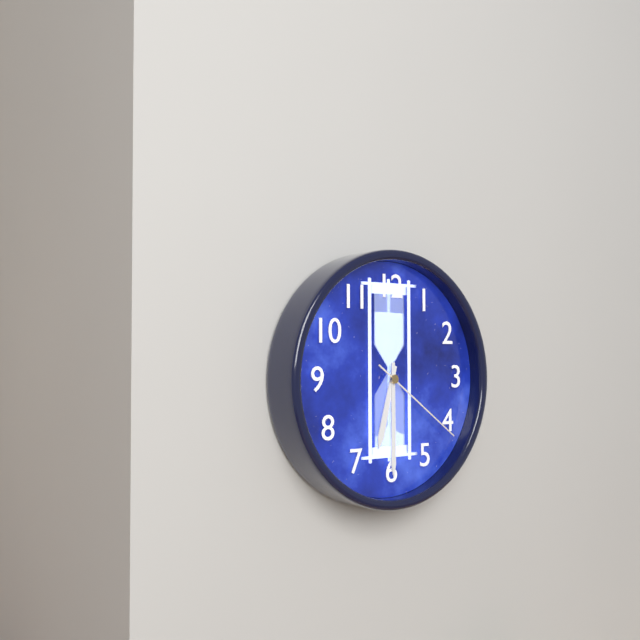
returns {"hour": 6, "minute": 30, "second": 21}
